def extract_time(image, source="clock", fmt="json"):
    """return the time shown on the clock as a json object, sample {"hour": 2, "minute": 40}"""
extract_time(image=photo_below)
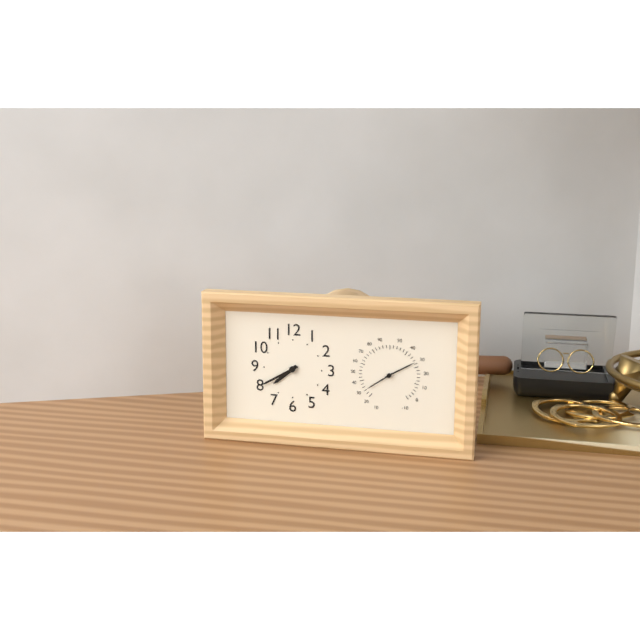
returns {"hour": 7, "minute": 40}
